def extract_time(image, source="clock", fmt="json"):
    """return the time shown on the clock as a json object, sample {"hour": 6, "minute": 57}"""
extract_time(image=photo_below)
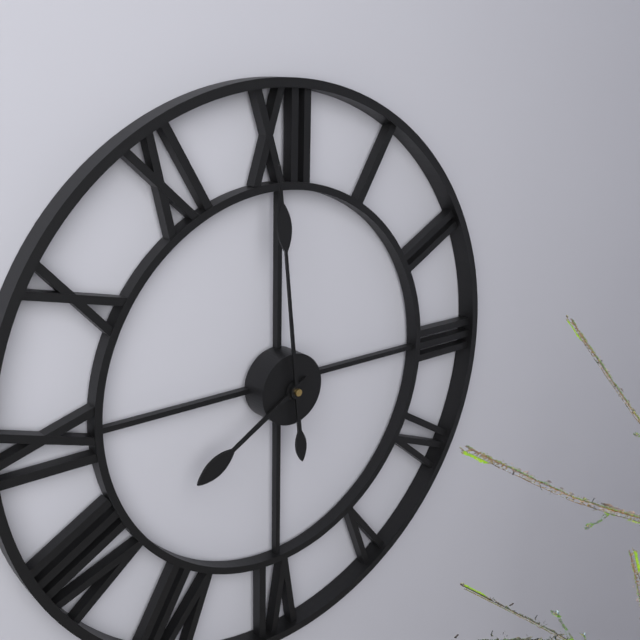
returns {"hour": 7, "minute": 59}
